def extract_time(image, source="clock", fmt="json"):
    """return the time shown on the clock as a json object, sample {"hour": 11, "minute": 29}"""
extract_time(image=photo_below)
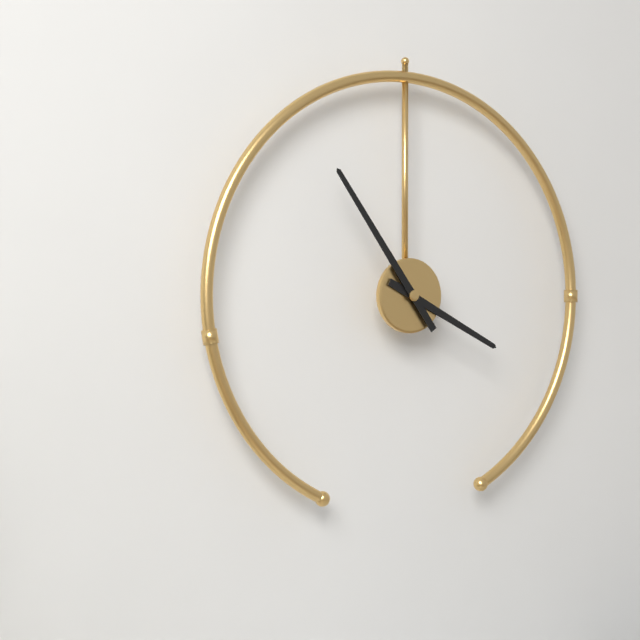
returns {"hour": 3, "minute": 54}
